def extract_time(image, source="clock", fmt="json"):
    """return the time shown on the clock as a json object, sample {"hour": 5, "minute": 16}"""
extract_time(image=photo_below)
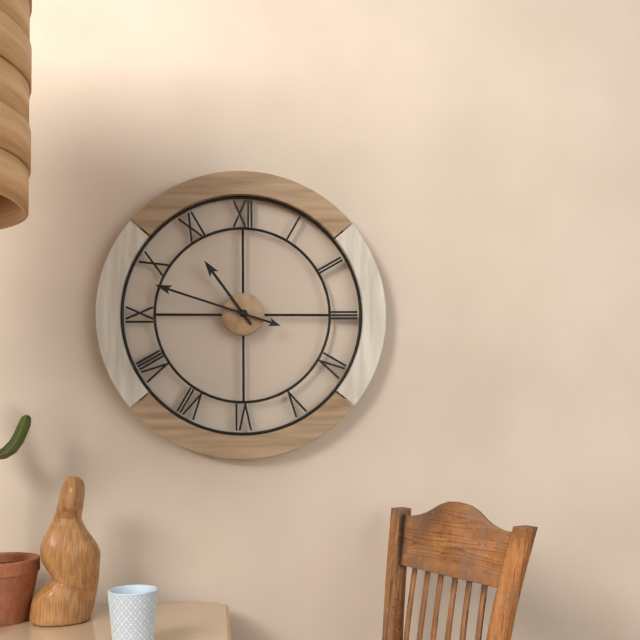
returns {"hour": 10, "minute": 48}
